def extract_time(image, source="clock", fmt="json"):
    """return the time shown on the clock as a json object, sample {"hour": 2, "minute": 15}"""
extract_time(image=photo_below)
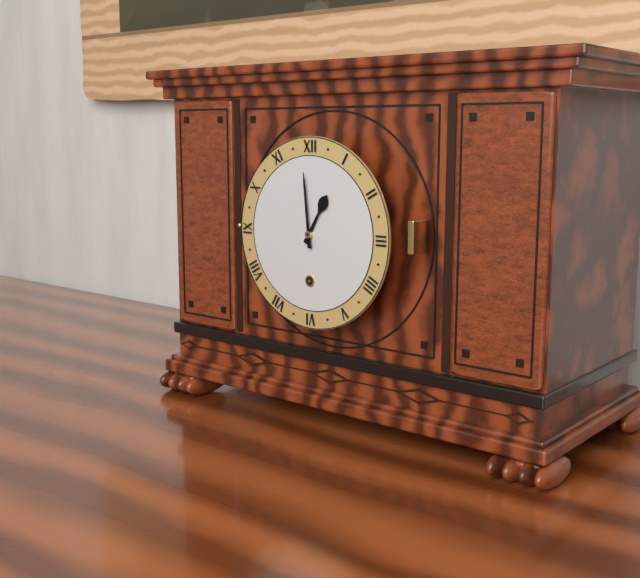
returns {"hour": 12, "minute": 59}
